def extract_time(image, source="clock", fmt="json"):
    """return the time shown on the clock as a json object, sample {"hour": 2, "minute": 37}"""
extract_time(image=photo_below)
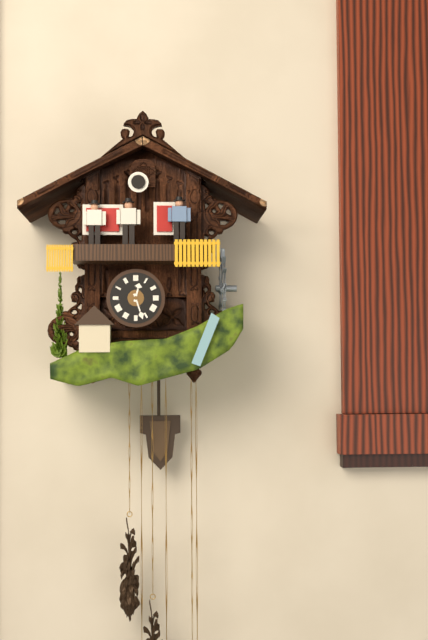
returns {"hour": 12, "minute": 27}
